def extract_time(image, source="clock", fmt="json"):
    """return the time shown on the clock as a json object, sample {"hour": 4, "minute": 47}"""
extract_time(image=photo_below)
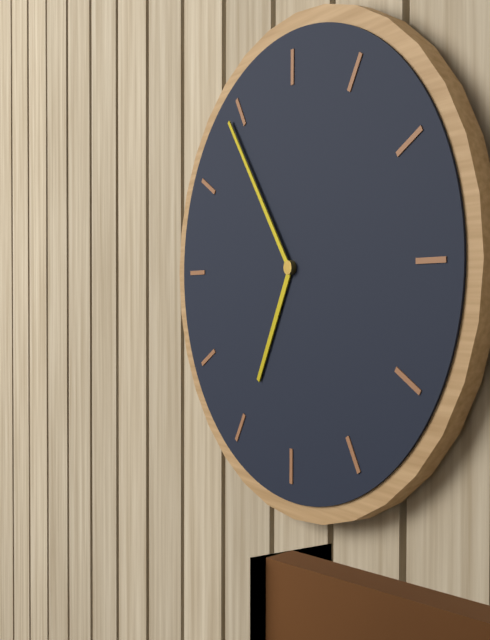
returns {"hour": 6, "minute": 54}
